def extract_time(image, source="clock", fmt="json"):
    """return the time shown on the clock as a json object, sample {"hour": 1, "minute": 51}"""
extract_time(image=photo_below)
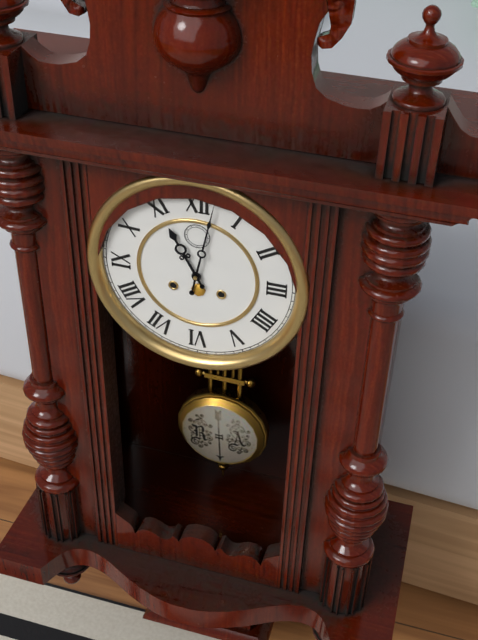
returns {"hour": 11, "minute": 2}
